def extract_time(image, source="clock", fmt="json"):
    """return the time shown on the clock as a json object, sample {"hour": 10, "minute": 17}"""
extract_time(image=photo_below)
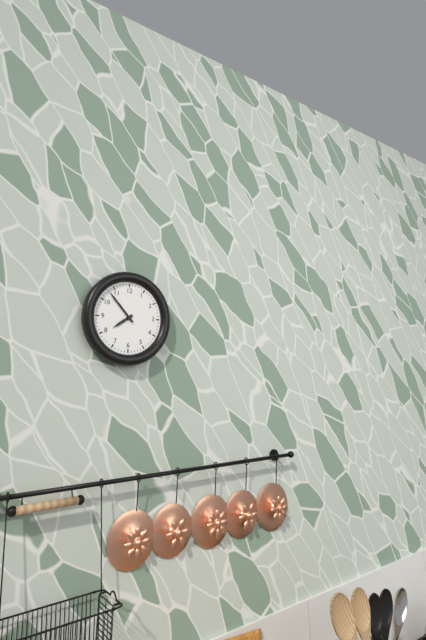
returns {"hour": 7, "minute": 53}
